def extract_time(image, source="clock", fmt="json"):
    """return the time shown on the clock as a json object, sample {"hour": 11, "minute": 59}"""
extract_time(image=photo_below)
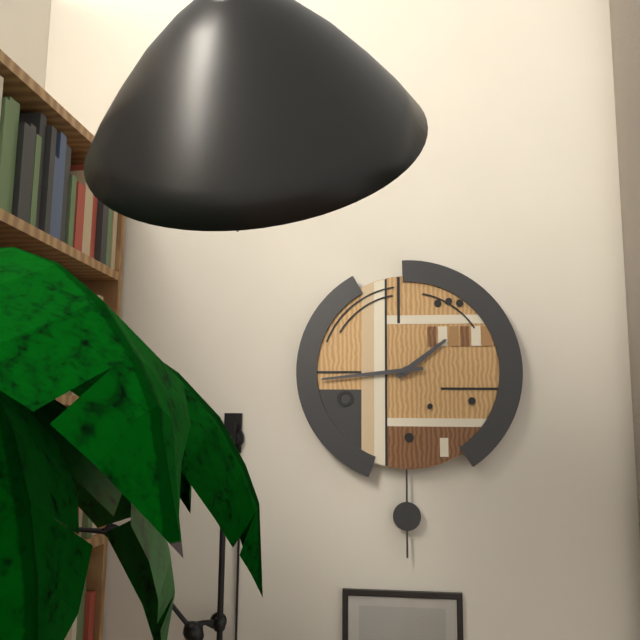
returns {"hour": 1, "minute": 44}
